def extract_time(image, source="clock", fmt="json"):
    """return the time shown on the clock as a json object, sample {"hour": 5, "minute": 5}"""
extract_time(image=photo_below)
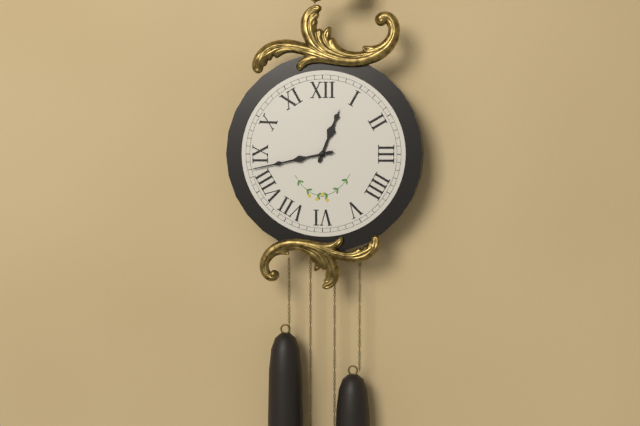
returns {"hour": 12, "minute": 43}
